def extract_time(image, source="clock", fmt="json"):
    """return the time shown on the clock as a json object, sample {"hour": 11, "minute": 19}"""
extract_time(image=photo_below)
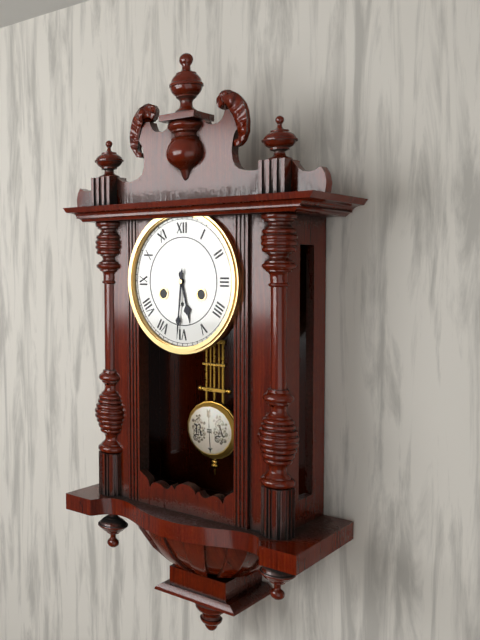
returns {"hour": 5, "minute": 31}
